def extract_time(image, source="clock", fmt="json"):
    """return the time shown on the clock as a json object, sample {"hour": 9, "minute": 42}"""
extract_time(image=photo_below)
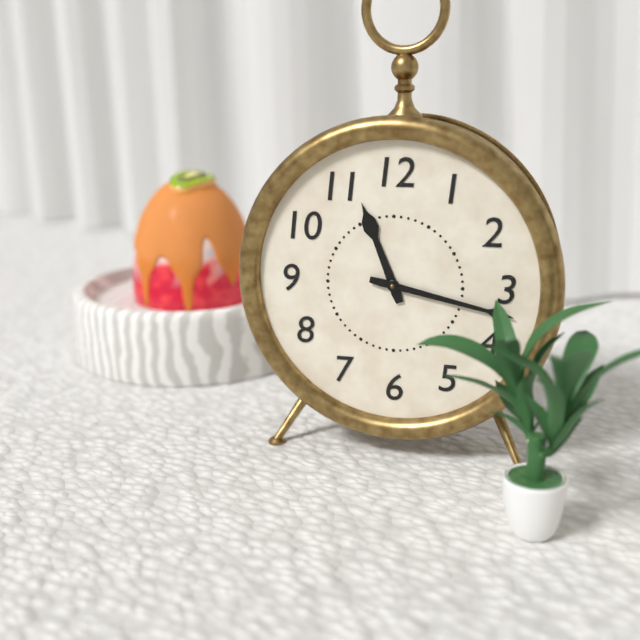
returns {"hour": 11, "minute": 17}
